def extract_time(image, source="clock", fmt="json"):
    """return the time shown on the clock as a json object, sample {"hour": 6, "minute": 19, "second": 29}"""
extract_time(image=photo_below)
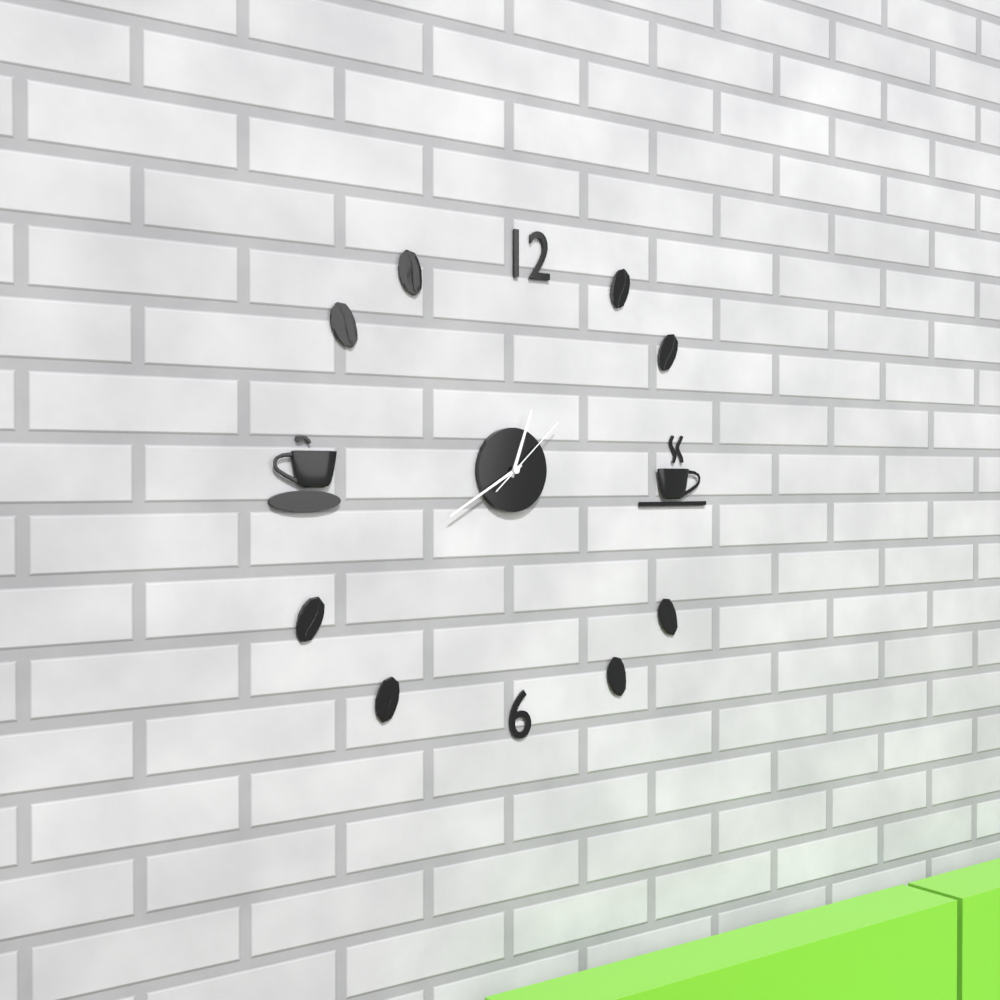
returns {"hour": 12, "minute": 40, "second": 8}
